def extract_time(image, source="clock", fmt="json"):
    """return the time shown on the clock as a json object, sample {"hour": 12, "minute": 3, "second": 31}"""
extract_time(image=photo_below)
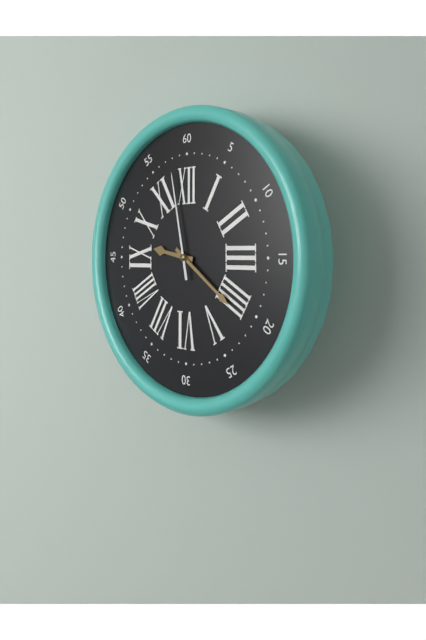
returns {"hour": 9, "minute": 21, "second": 58}
